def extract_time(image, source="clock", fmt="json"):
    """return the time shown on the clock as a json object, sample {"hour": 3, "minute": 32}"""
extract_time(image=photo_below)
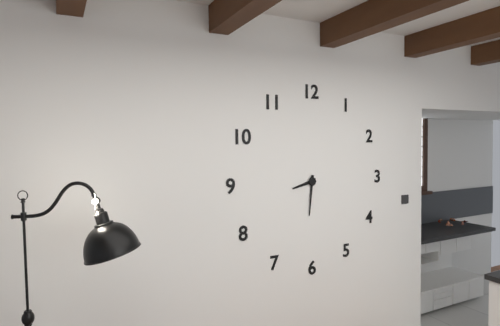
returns {"hour": 8, "minute": 31}
